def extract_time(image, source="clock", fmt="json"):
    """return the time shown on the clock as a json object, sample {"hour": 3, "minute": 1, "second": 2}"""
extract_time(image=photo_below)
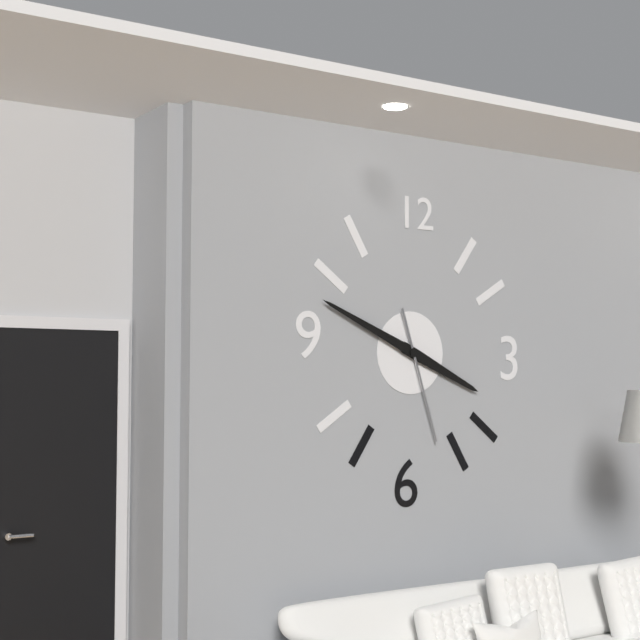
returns {"hour": 3, "minute": 49, "second": 27}
